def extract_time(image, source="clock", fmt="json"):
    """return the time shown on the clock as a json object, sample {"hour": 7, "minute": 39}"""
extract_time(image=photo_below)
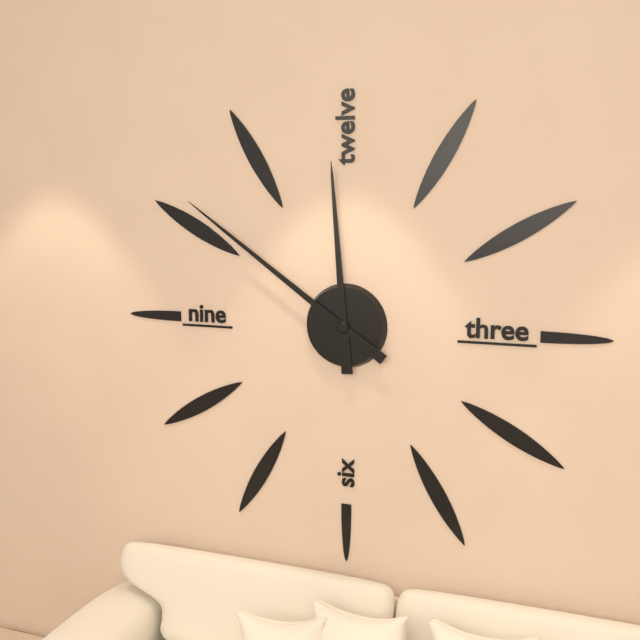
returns {"hour": 11, "minute": 51}
